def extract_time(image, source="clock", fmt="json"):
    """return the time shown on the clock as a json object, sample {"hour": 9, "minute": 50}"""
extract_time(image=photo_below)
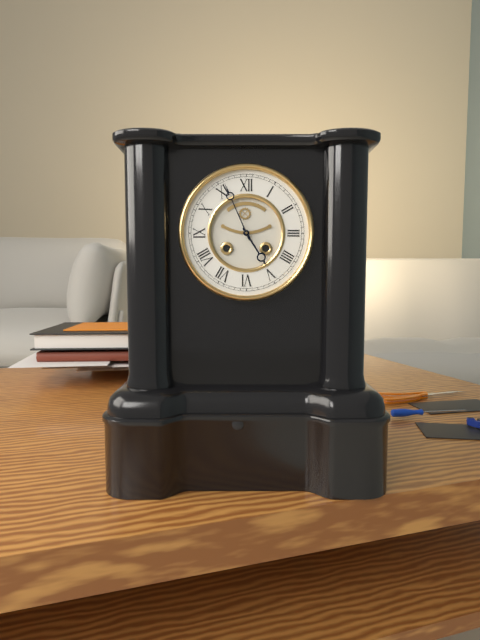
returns {"hour": 4, "minute": 56}
